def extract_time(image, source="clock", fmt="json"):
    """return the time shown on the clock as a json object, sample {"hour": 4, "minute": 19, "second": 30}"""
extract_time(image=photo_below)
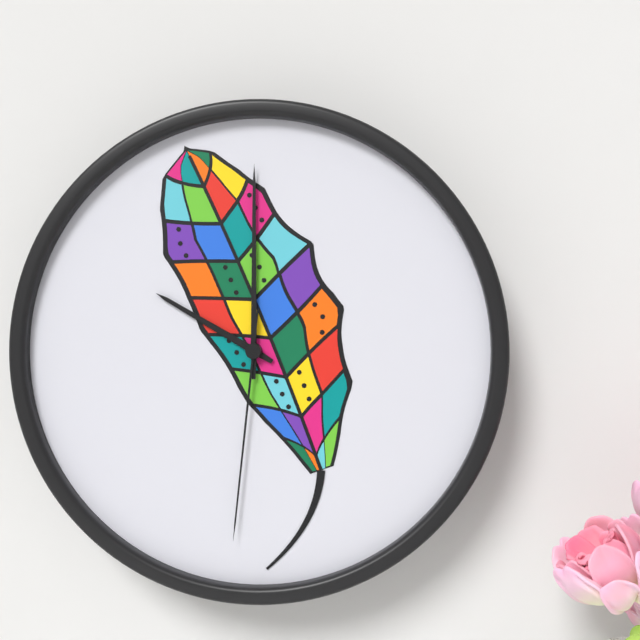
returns {"hour": 10, "minute": 0, "second": 31}
